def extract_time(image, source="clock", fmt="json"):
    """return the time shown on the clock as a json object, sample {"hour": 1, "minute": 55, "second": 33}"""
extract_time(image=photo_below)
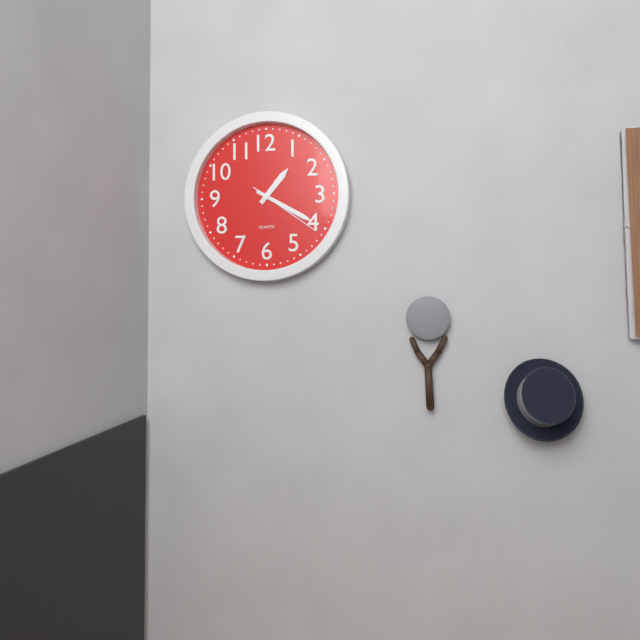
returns {"hour": 1, "minute": 20, "second": 21}
